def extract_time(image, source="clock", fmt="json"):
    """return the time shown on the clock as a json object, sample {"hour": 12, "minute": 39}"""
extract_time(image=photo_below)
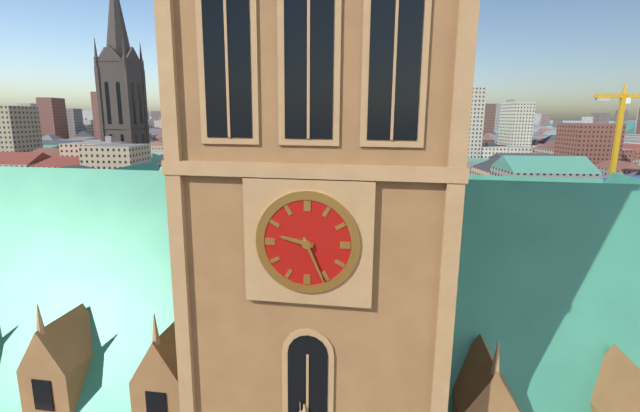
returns {"hour": 9, "minute": 26}
